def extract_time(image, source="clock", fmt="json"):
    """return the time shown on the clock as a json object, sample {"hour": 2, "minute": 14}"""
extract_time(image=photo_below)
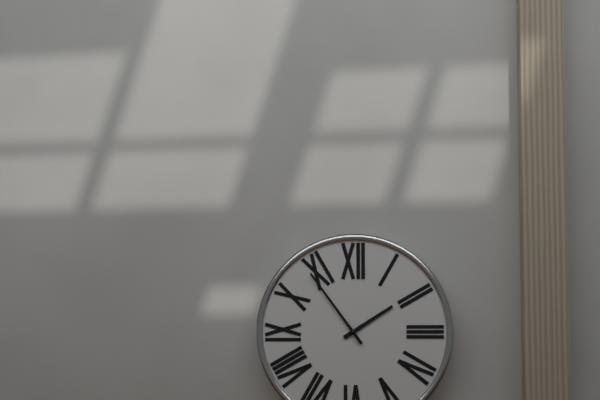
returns {"hour": 1, "minute": 54}
